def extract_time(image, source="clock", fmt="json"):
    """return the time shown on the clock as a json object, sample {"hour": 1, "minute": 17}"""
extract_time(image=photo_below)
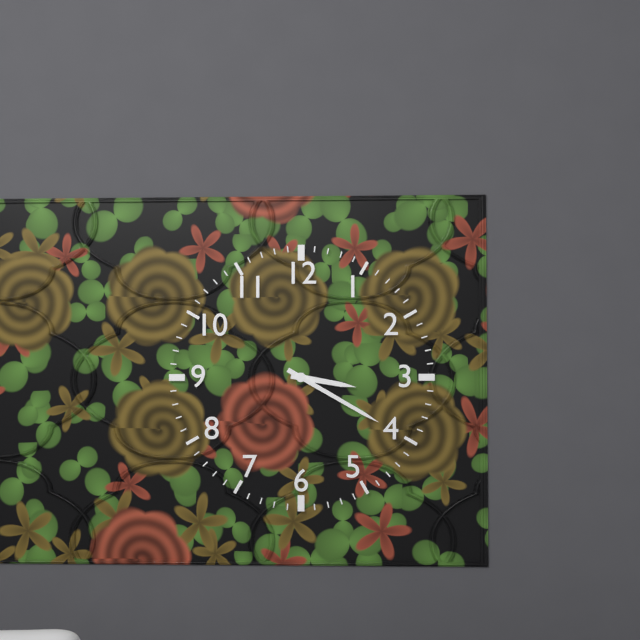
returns {"hour": 3, "minute": 20}
